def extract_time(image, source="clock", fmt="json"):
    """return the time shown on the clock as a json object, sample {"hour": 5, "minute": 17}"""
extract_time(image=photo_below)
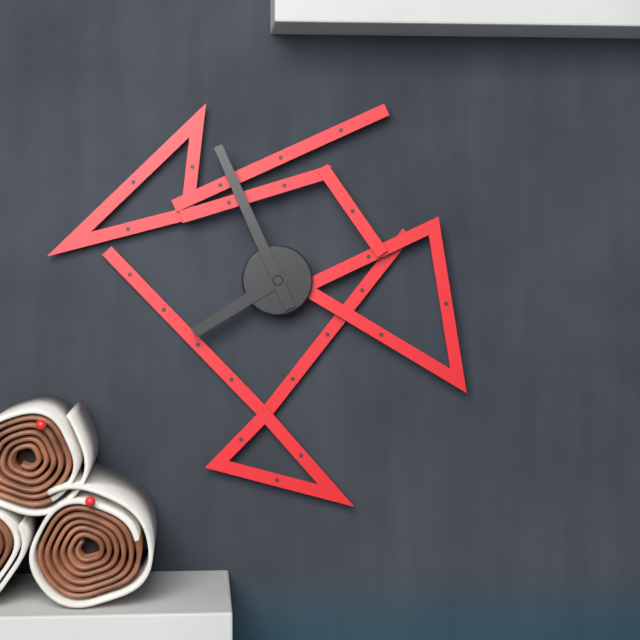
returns {"hour": 7, "minute": 56}
